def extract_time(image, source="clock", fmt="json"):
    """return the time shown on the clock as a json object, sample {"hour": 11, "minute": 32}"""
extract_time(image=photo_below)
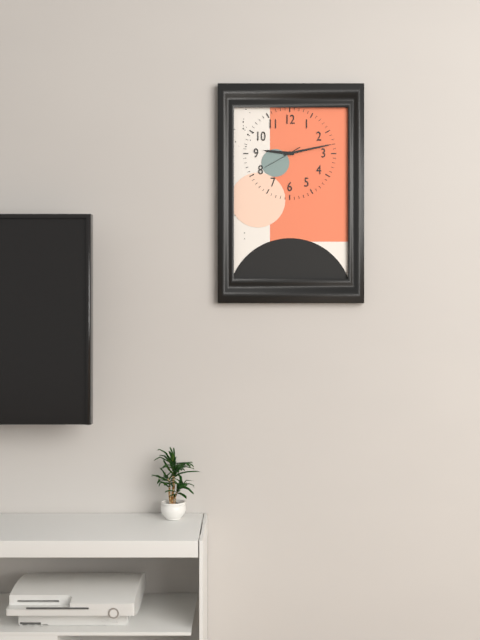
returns {"hour": 9, "minute": 13}
